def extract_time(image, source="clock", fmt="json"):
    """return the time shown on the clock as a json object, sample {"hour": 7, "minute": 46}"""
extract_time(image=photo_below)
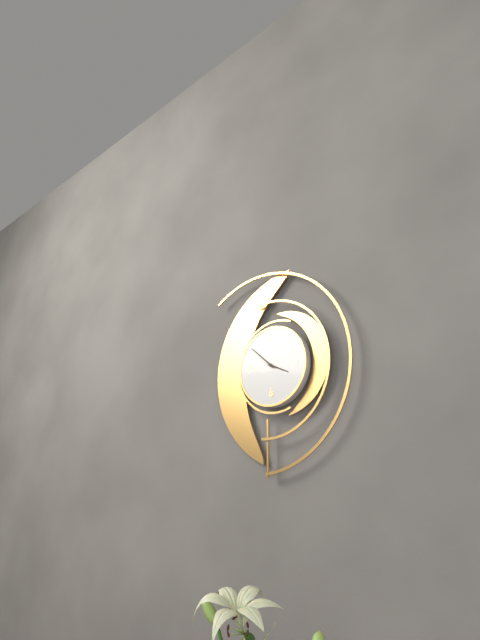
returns {"hour": 3, "minute": 52}
